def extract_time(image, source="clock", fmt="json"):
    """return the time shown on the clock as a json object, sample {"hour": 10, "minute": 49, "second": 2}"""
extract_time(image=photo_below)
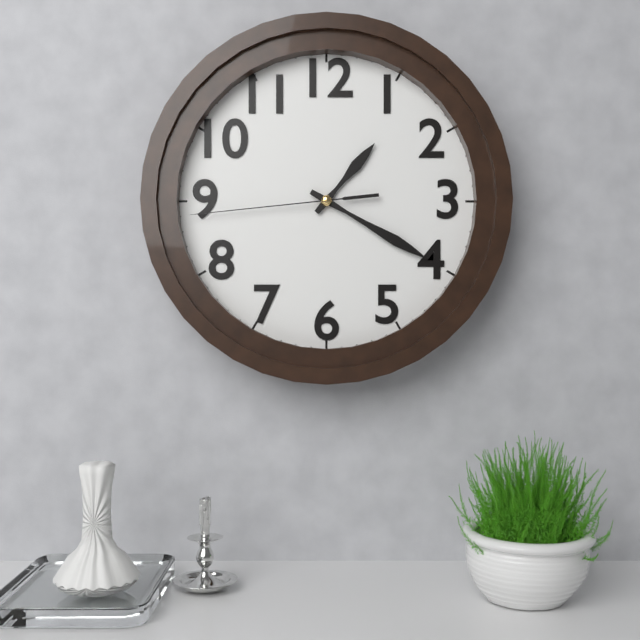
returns {"hour": 1, "minute": 20, "second": 44}
